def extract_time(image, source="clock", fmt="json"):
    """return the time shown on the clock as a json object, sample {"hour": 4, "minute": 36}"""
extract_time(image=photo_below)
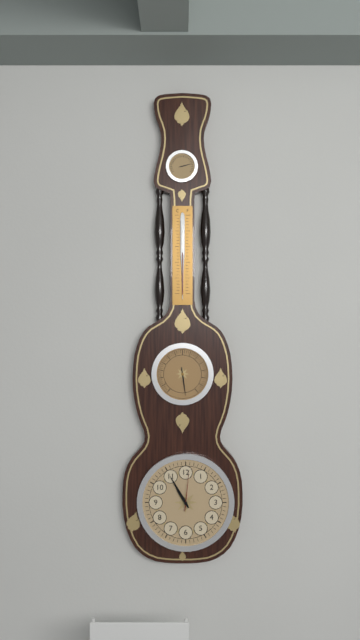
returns {"hour": 10, "minute": 55}
